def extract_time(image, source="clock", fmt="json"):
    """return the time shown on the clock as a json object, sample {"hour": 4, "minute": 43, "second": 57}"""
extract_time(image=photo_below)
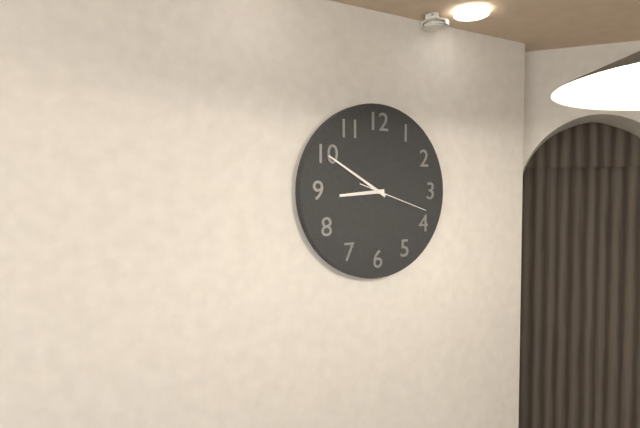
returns {"hour": 8, "minute": 50, "second": 18}
